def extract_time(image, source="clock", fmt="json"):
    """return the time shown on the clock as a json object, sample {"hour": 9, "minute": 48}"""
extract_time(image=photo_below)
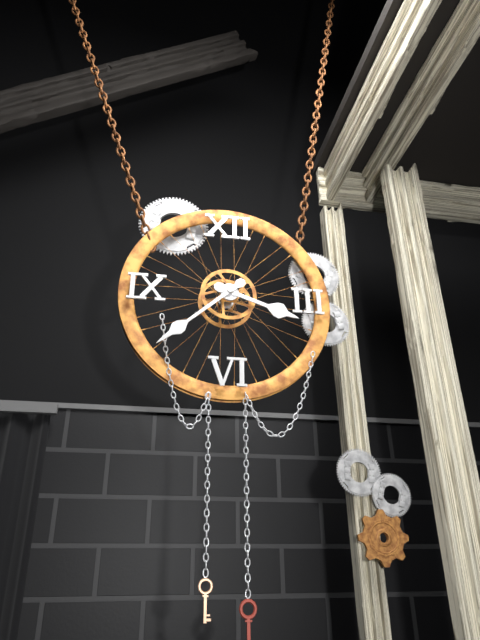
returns {"hour": 3, "minute": 38}
